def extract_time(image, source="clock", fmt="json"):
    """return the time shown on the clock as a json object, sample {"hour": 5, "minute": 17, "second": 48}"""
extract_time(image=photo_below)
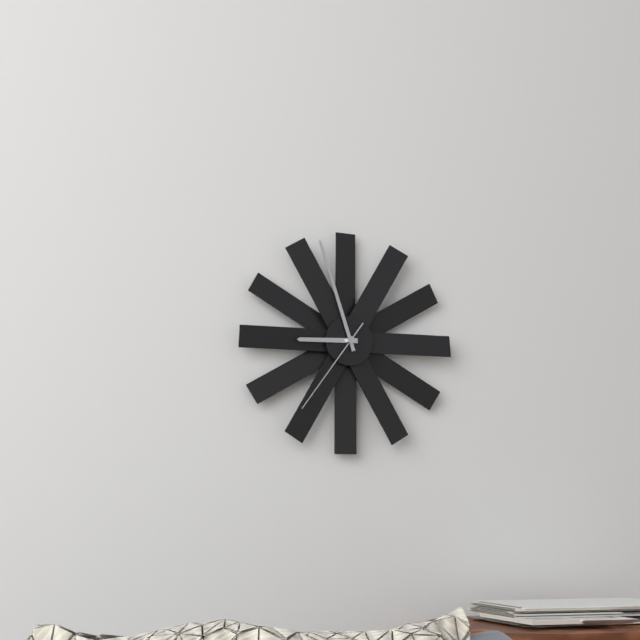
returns {"hour": 8, "minute": 57, "second": 36}
